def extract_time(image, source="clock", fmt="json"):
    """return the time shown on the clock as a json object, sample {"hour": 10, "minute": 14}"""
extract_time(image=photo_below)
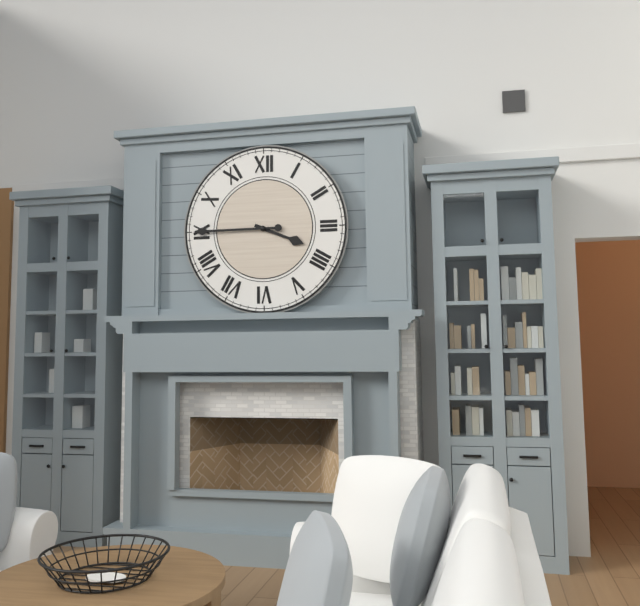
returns {"hour": 3, "minute": 45}
